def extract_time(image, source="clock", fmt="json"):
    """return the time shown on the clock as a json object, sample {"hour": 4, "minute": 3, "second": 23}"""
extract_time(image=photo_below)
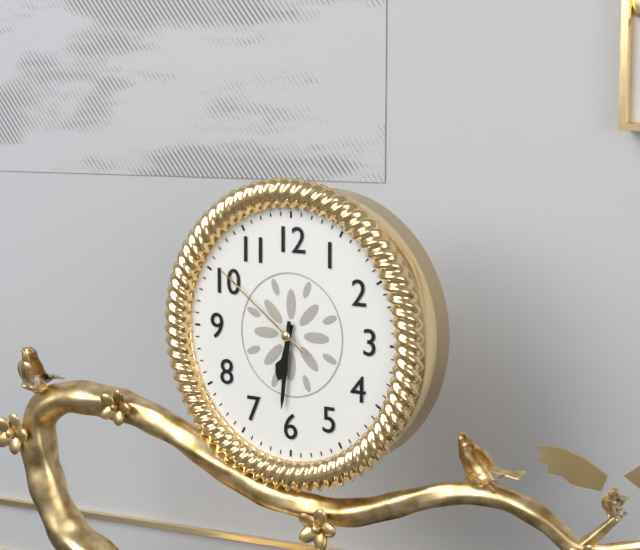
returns {"hour": 6, "minute": 31, "second": 51}
